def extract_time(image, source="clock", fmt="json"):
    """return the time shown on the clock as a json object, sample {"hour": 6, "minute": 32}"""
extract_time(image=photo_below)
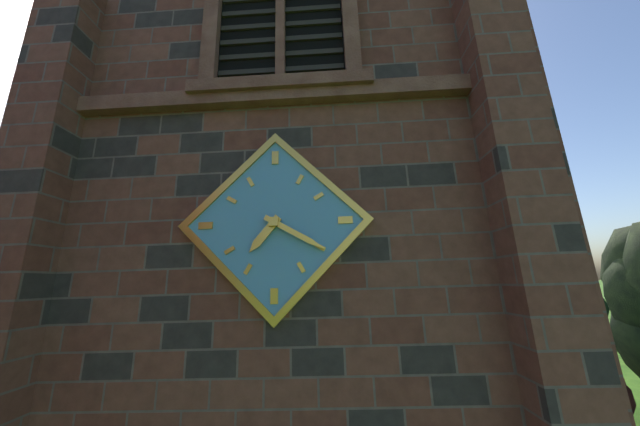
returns {"hour": 7, "minute": 20}
